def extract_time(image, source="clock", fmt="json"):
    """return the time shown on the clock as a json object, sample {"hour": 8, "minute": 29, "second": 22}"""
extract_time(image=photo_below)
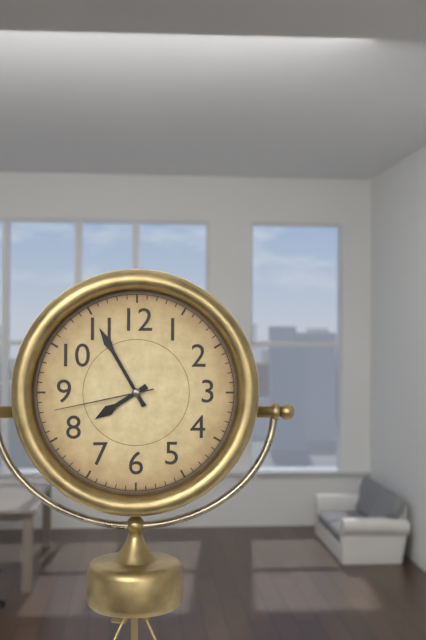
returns {"hour": 7, "minute": 55, "second": 43}
